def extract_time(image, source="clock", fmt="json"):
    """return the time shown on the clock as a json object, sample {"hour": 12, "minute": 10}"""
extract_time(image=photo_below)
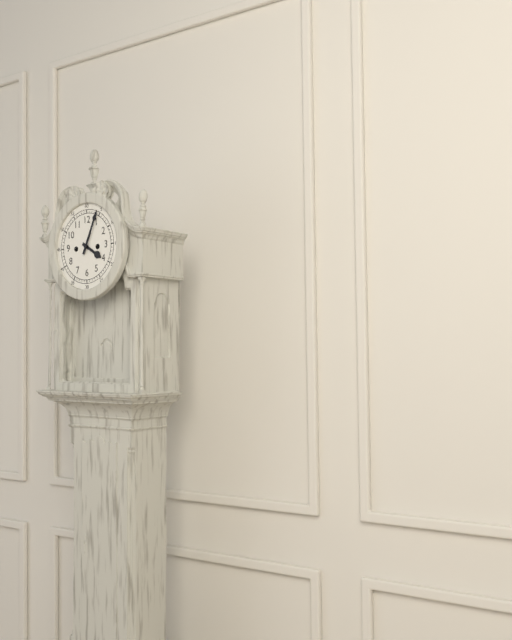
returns {"hour": 4, "minute": 4}
